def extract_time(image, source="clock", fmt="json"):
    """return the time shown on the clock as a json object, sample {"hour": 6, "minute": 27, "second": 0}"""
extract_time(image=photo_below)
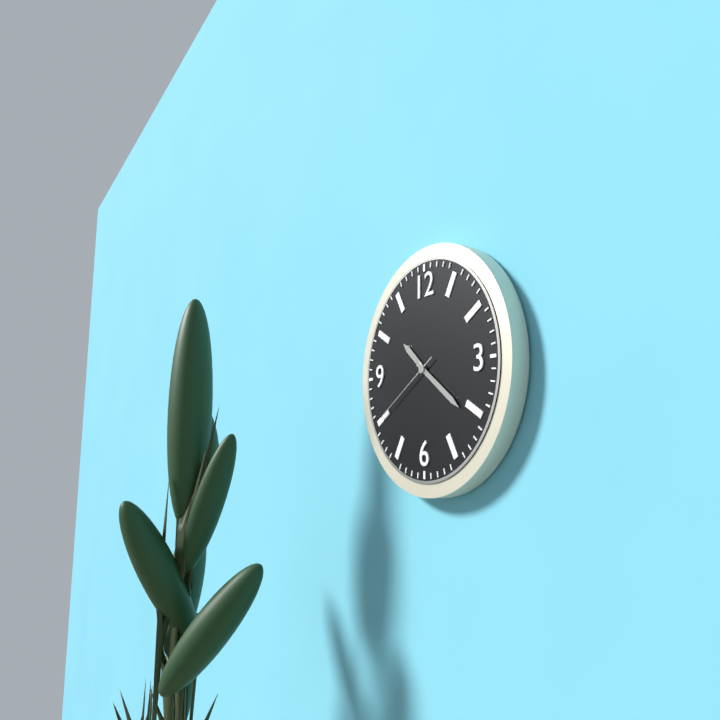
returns {"hour": 10, "minute": 21, "second": 40}
